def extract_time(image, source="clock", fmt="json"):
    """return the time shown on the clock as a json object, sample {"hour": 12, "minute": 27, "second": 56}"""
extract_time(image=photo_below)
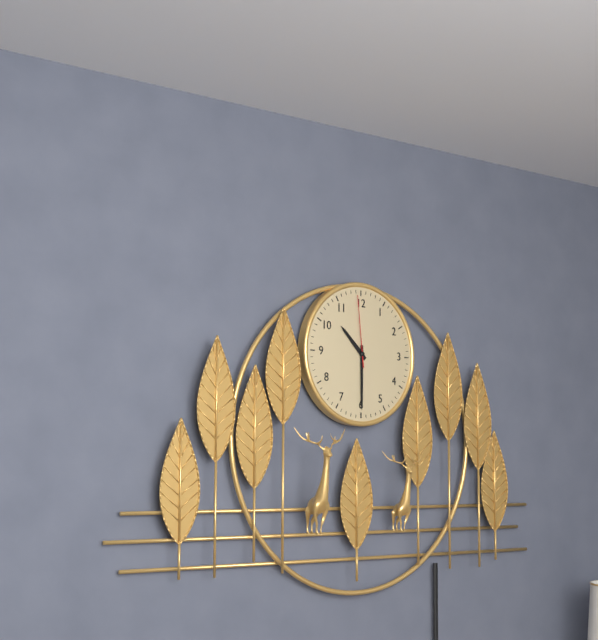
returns {"hour": 10, "minute": 30, "second": 59}
